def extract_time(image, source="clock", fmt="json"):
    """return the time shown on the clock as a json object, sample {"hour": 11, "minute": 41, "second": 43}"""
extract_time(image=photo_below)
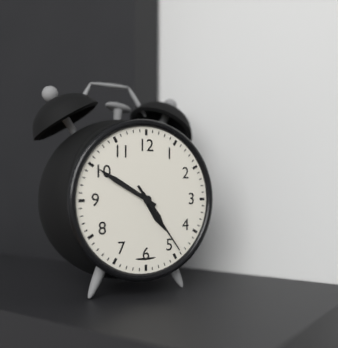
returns {"hour": 4, "minute": 50, "second": 24}
